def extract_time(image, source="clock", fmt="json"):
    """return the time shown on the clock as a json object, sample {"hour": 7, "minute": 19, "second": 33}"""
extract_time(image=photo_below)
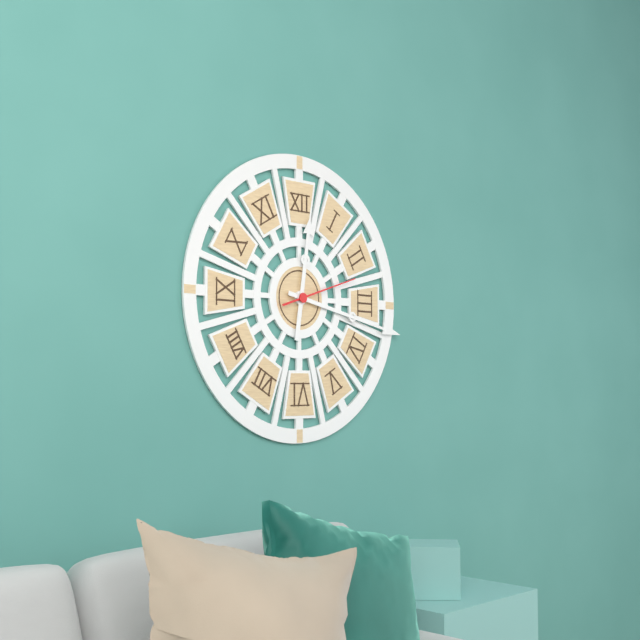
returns {"hour": 12, "minute": 17, "second": 12}
